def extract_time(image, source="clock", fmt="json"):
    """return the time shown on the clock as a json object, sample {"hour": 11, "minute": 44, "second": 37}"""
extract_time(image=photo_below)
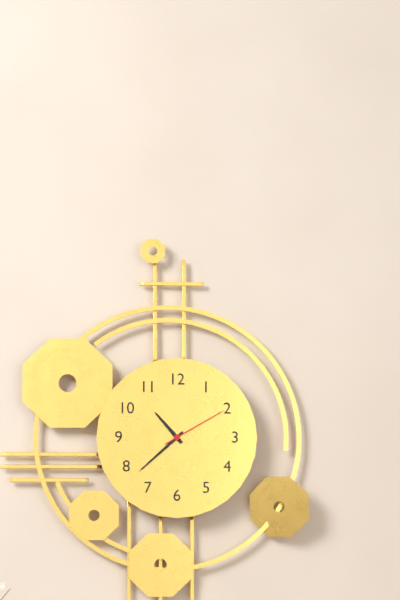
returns {"hour": 10, "minute": 38, "second": 10}
